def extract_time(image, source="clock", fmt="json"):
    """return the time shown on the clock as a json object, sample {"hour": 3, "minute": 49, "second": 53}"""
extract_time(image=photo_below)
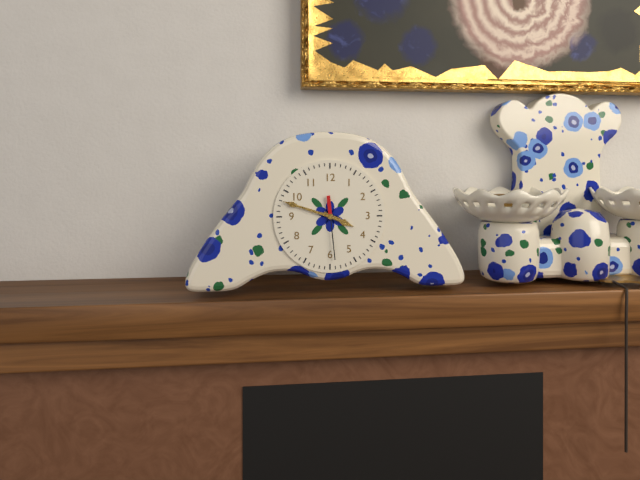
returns {"hour": 3, "minute": 48, "second": 29}
